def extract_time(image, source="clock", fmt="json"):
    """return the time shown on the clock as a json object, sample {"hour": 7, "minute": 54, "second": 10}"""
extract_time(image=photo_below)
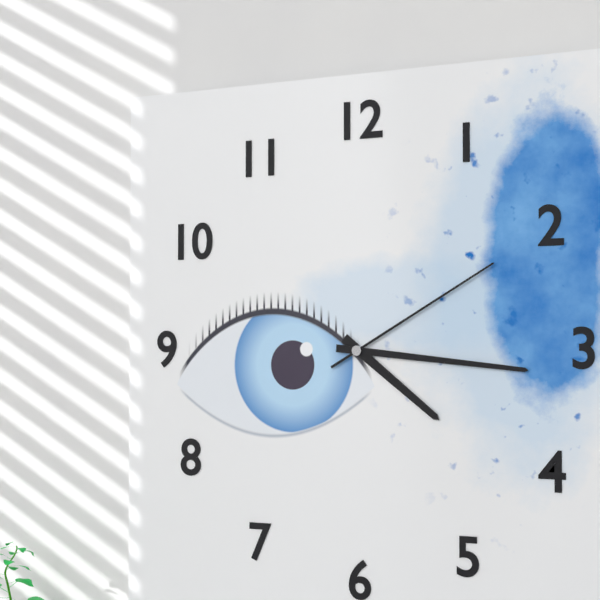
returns {"hour": 4, "minute": 16, "second": 10}
